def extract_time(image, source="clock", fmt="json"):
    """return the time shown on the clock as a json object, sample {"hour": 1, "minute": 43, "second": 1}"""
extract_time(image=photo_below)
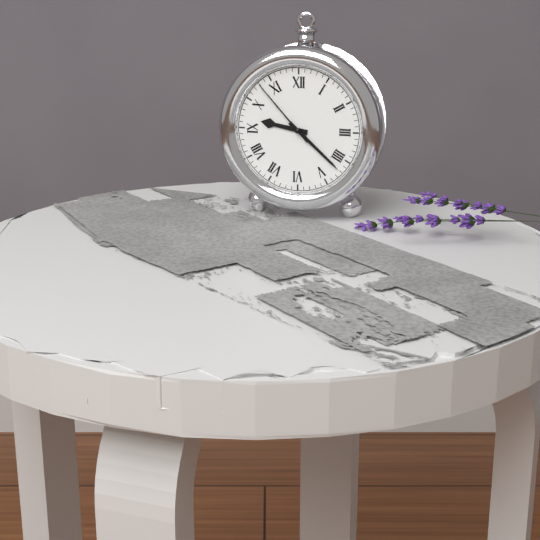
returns {"hour": 9, "minute": 22, "second": 53}
